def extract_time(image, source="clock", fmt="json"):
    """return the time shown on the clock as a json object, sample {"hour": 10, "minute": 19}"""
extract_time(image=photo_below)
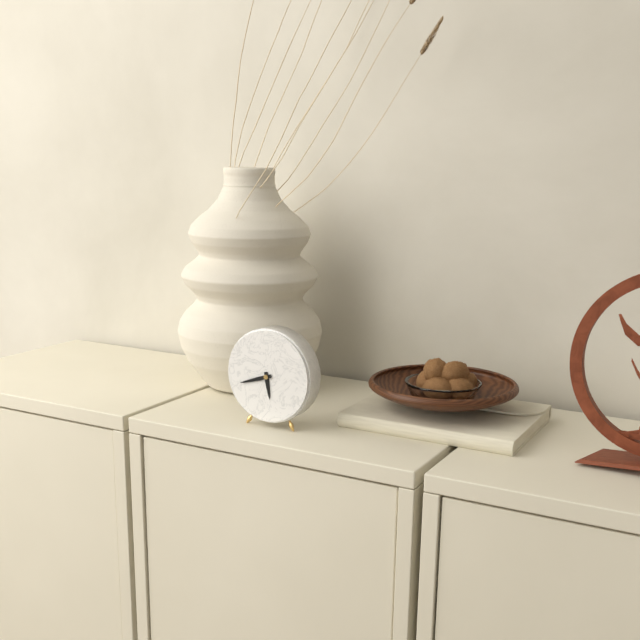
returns {"hour": 5, "minute": 42}
